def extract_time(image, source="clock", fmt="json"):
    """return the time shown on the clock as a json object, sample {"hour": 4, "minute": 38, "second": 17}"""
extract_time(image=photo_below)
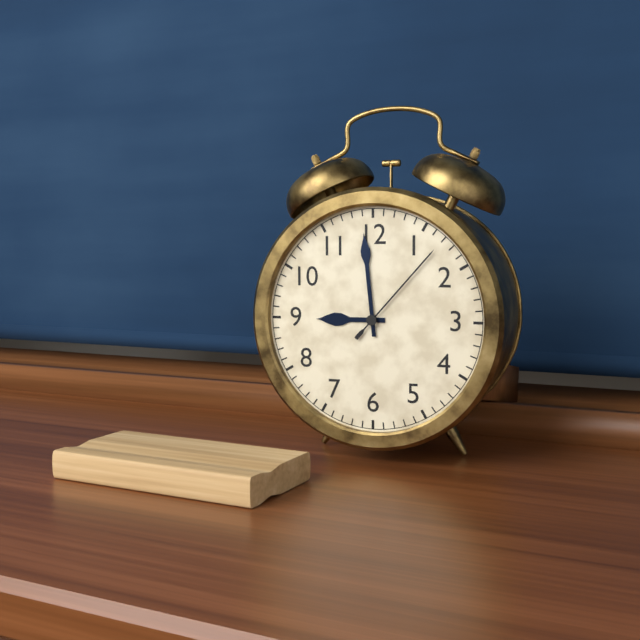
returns {"hour": 8, "minute": 59, "second": 7}
